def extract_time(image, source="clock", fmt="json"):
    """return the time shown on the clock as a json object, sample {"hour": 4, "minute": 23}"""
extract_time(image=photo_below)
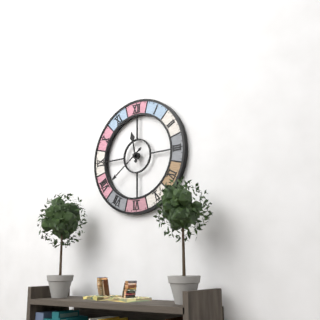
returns {"hour": 11, "minute": 39}
